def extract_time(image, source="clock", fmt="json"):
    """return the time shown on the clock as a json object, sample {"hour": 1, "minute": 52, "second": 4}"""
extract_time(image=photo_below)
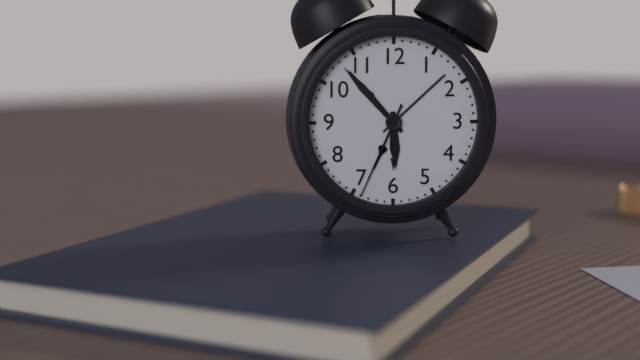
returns {"hour": 5, "minute": 53, "second": 34}
